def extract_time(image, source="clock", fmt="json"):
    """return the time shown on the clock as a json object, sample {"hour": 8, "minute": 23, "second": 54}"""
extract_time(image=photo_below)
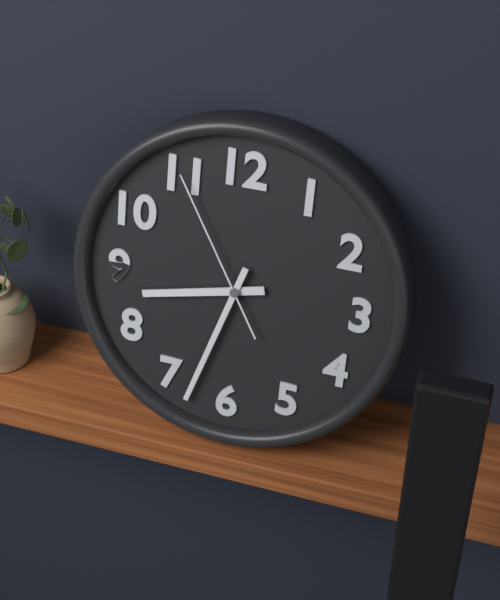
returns {"hour": 8, "minute": 33, "second": 55}
